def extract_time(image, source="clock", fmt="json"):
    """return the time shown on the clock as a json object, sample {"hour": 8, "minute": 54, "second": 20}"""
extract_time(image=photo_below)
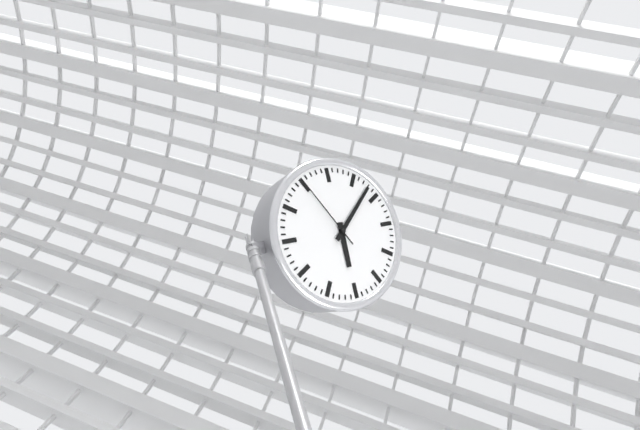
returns {"hour": 5, "minute": 3, "second": 50}
